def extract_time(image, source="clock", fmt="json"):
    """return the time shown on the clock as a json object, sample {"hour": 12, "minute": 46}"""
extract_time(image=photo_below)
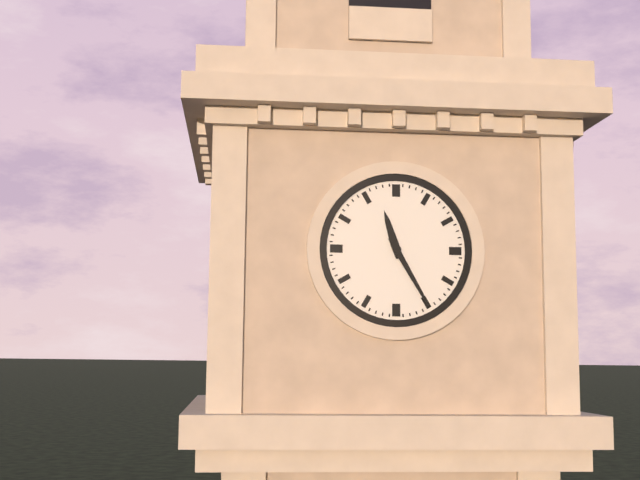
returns {"hour": 11, "minute": 25}
